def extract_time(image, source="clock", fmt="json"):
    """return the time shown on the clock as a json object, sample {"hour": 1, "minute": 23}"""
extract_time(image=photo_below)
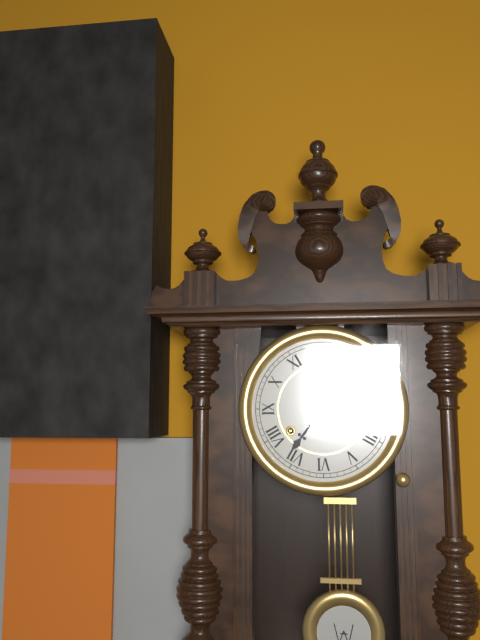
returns {"hour": 7, "minute": 14}
